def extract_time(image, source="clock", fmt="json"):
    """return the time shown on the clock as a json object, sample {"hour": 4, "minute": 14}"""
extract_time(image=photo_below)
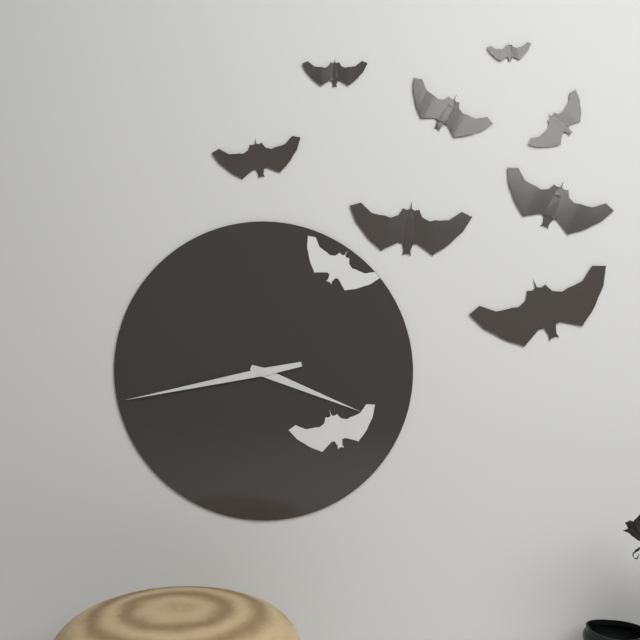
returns {"hour": 3, "minute": 43}
